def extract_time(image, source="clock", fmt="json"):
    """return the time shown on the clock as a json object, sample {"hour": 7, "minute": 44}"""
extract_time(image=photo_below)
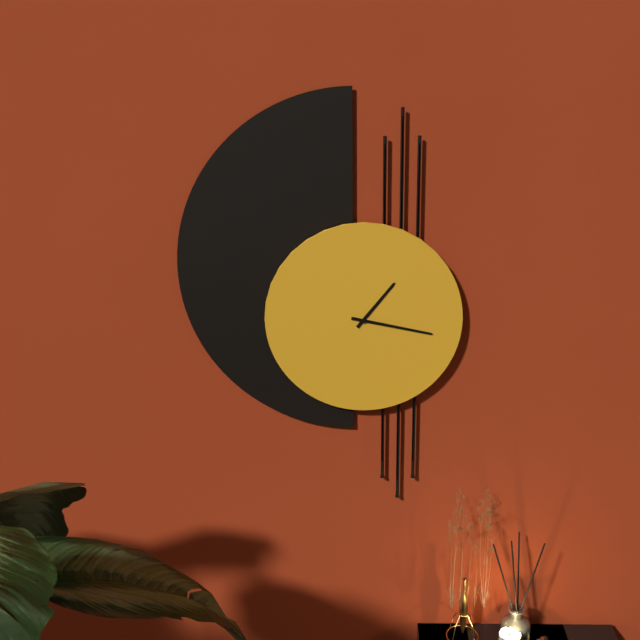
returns {"hour": 1, "minute": 17}
